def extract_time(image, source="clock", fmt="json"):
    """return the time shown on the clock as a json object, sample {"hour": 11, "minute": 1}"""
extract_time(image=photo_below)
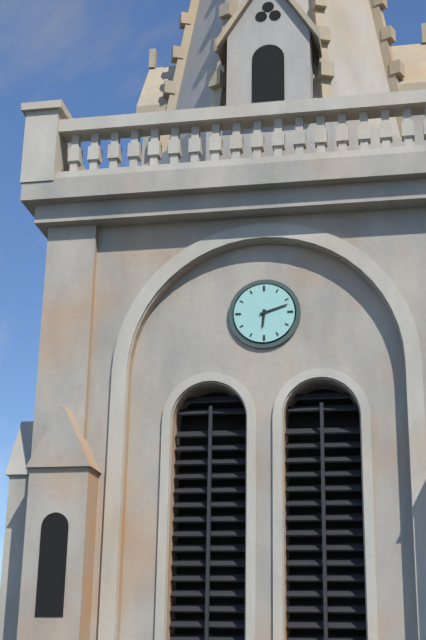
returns {"hour": 6, "minute": 12}
